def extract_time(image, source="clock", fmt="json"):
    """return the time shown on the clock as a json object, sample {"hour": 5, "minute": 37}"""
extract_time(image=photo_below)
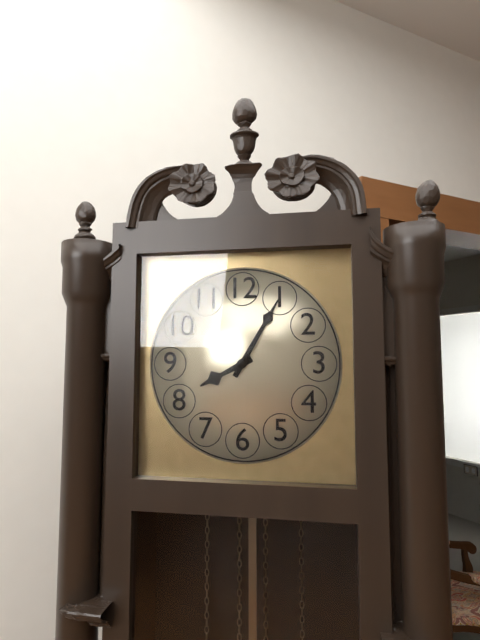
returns {"hour": 8, "minute": 5}
